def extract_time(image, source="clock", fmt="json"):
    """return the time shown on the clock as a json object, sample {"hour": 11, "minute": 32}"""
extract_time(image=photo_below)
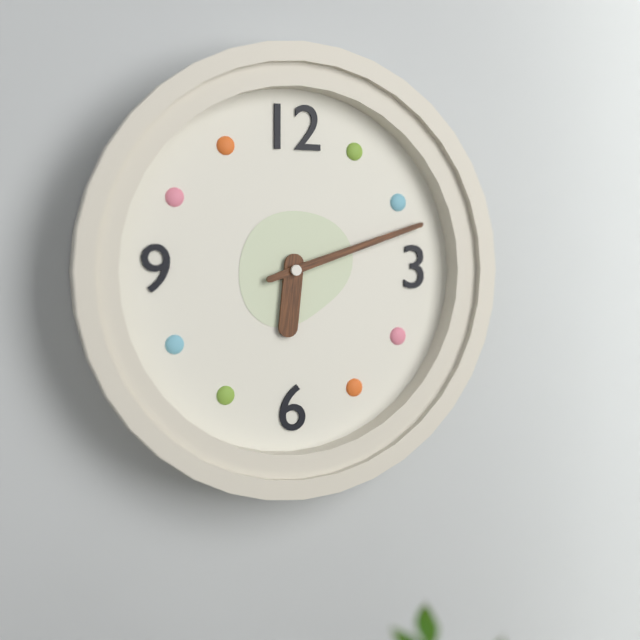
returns {"hour": 6, "minute": 12}
